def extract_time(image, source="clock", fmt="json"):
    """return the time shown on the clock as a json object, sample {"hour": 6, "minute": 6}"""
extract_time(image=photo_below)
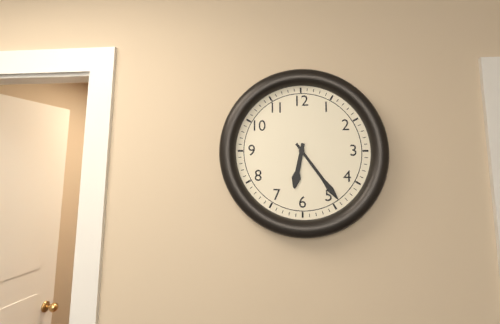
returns {"hour": 6, "minute": 24}
